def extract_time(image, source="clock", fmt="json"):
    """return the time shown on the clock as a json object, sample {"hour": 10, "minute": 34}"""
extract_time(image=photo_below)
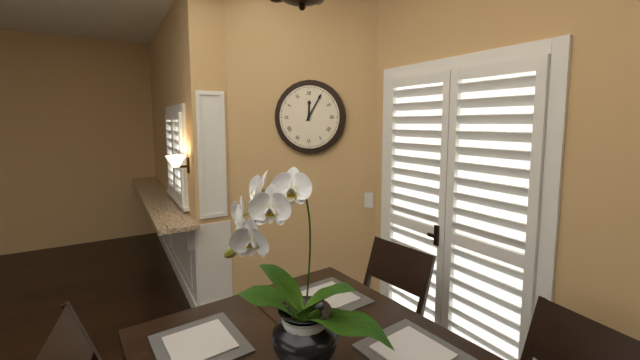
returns {"hour": 12, "minute": 5}
